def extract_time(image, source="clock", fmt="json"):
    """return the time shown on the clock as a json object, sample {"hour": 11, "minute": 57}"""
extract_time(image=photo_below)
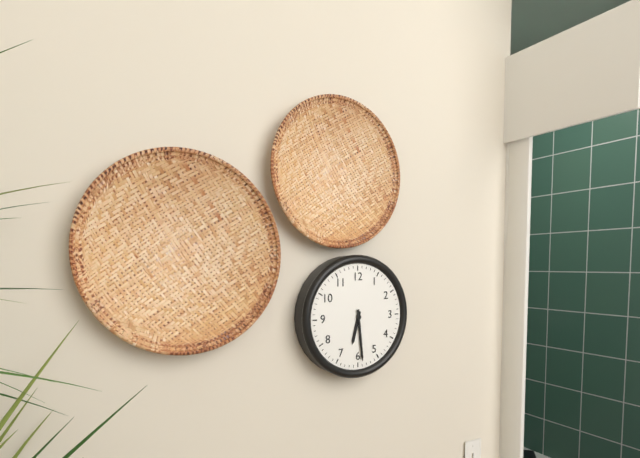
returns {"hour": 6, "minute": 29}
